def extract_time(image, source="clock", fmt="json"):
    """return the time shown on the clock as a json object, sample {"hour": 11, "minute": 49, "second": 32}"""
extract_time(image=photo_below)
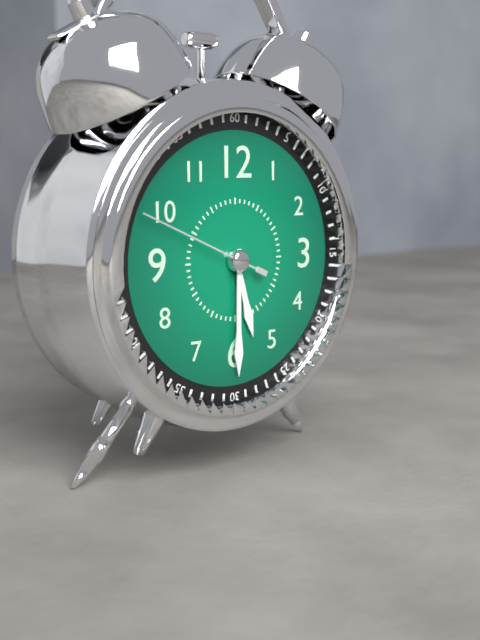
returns {"hour": 5, "minute": 30, "second": 49}
